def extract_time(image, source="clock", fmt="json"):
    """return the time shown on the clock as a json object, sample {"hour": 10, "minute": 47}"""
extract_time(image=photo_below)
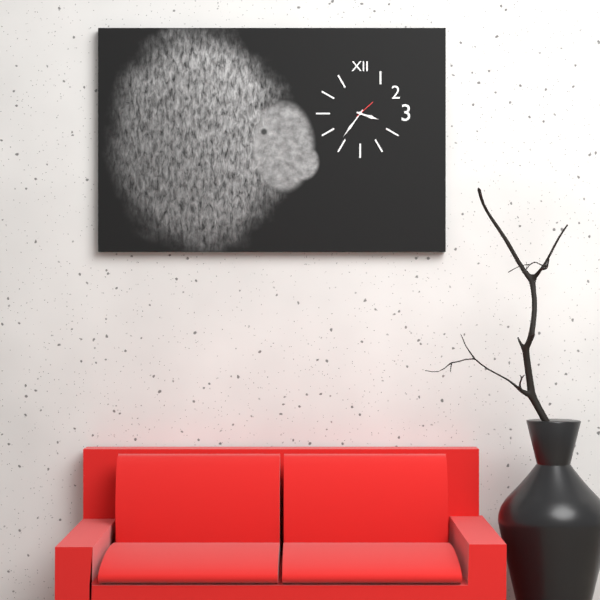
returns {"hour": 3, "minute": 36}
